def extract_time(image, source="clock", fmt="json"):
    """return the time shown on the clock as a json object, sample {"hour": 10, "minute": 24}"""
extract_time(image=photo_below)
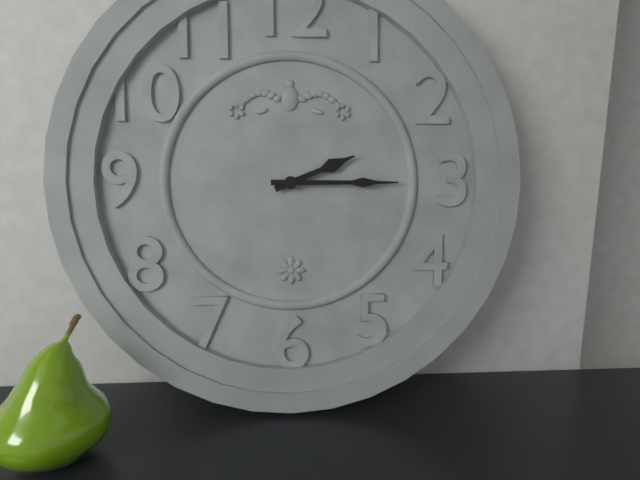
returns {"hour": 2, "minute": 15}
